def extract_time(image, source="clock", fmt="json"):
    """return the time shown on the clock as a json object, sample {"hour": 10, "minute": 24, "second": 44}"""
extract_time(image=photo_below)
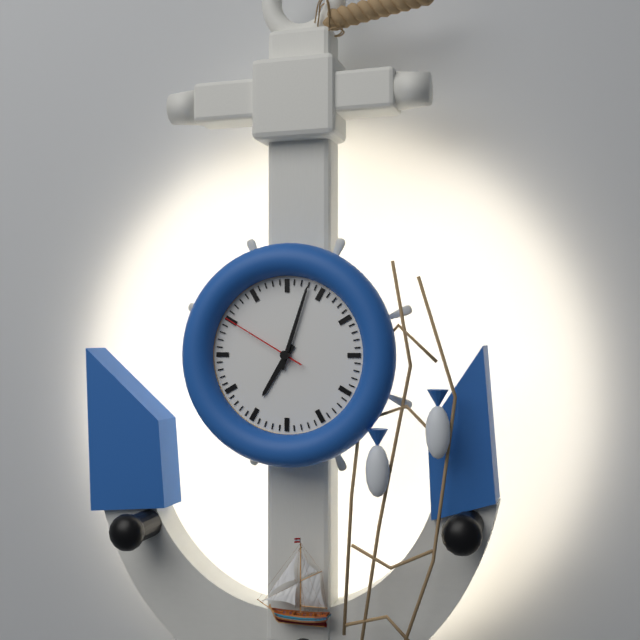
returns {"hour": 7, "minute": 3, "second": 50}
